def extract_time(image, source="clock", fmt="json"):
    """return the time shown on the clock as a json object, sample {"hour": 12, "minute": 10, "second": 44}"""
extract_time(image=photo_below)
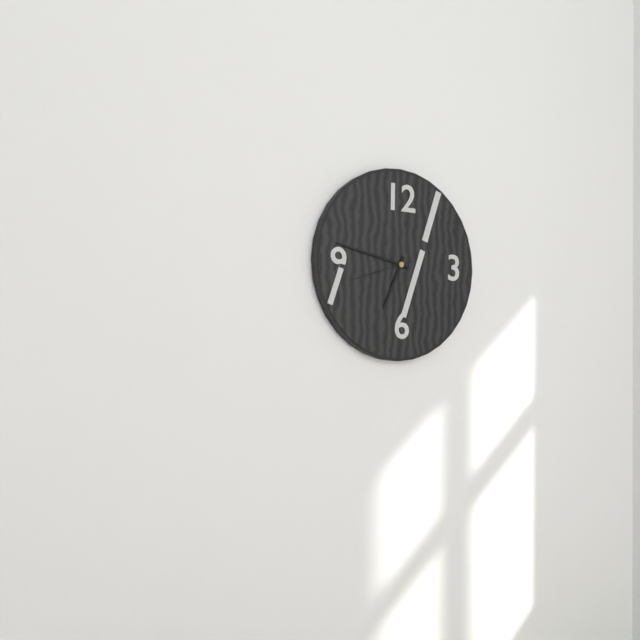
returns {"hour": 6, "minute": 47, "second": 42}
